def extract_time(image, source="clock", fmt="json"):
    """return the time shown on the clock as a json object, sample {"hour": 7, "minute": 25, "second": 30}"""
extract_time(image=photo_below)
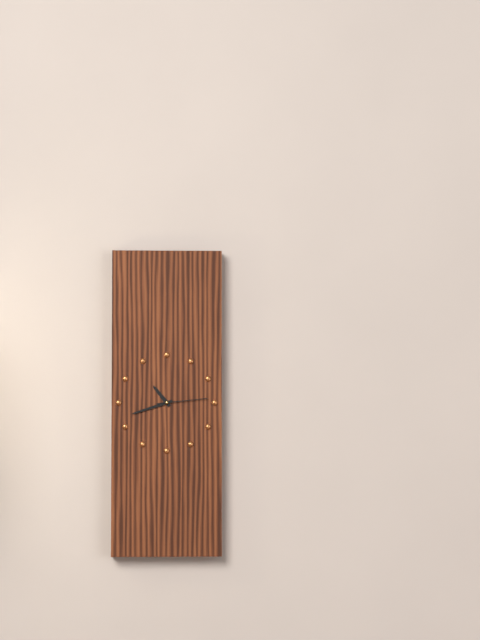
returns {"hour": 10, "minute": 42, "second": 14}
